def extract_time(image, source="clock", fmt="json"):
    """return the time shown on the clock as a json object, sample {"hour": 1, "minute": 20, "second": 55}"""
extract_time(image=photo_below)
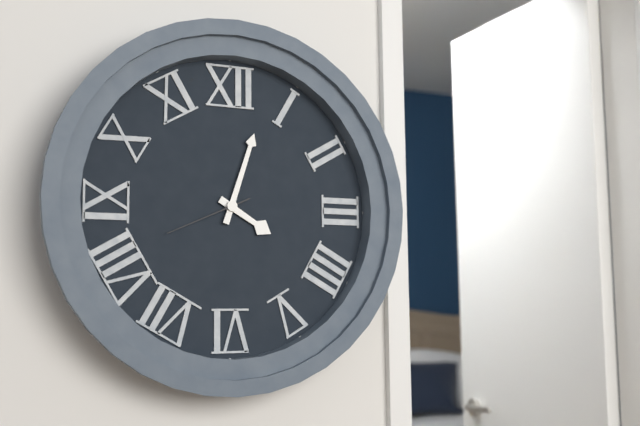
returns {"hour": 4, "minute": 3, "second": 41}
